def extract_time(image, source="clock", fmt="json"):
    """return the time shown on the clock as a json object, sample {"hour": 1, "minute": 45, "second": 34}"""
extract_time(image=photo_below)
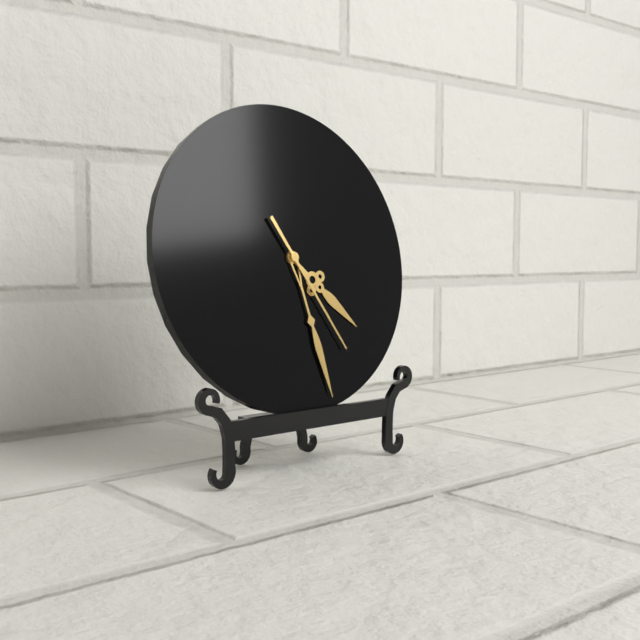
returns {"hour": 4, "minute": 28, "second": 25}
